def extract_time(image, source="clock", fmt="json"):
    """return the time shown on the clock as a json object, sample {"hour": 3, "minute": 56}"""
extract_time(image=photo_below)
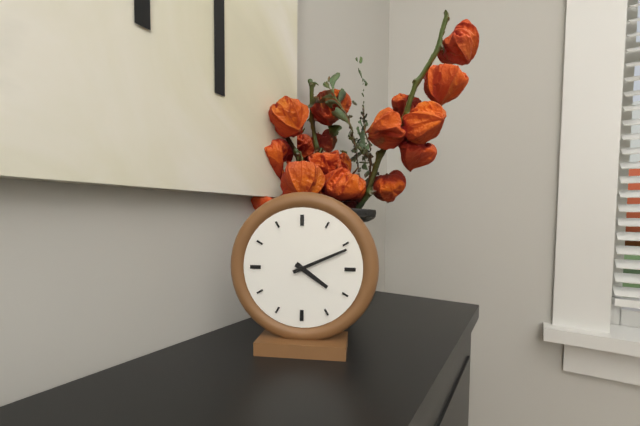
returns {"hour": 4, "minute": 11}
